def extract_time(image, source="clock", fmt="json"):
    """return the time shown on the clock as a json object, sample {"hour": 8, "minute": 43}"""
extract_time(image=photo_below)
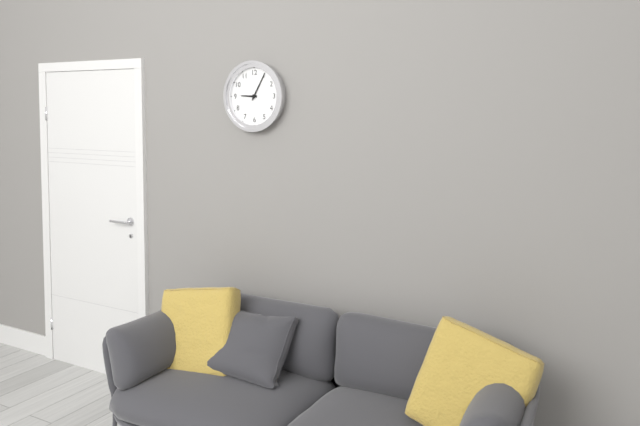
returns {"hour": 9, "minute": 5}
